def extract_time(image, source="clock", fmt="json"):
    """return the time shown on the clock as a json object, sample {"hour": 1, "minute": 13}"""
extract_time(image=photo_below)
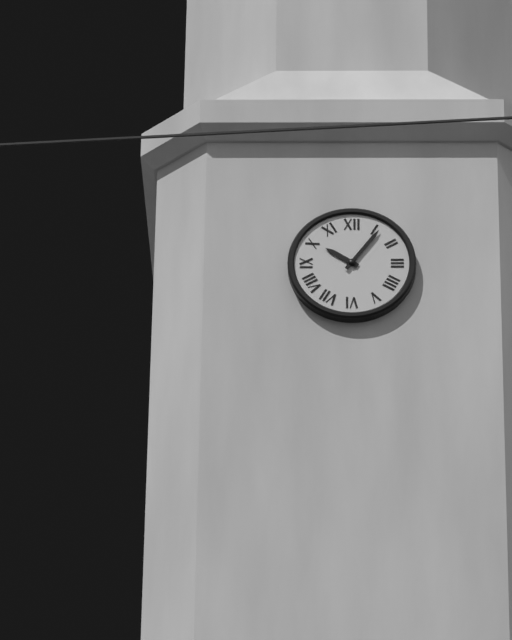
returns {"hour": 10, "minute": 6}
